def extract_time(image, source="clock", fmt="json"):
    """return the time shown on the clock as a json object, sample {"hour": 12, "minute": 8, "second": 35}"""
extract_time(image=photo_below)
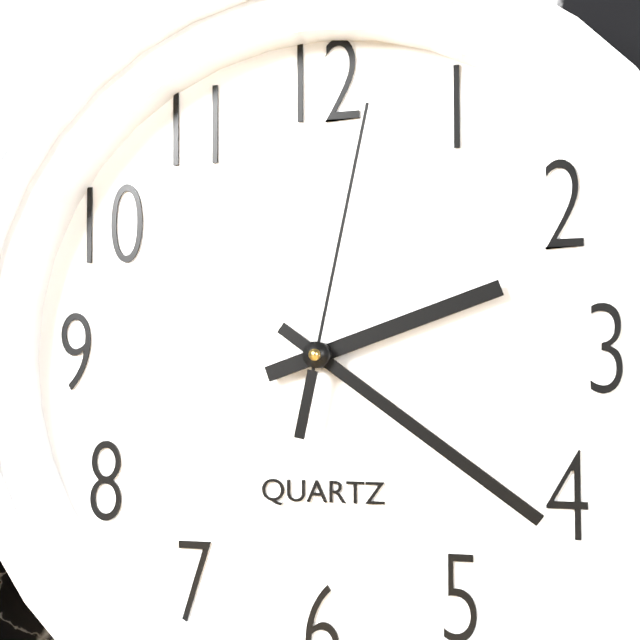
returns {"hour": 2, "minute": 21, "second": 2}
